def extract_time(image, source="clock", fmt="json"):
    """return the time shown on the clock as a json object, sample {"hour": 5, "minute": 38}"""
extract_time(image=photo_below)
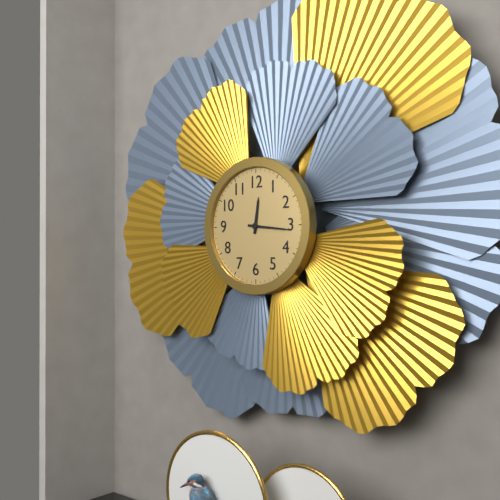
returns {"hour": 12, "minute": 16}
